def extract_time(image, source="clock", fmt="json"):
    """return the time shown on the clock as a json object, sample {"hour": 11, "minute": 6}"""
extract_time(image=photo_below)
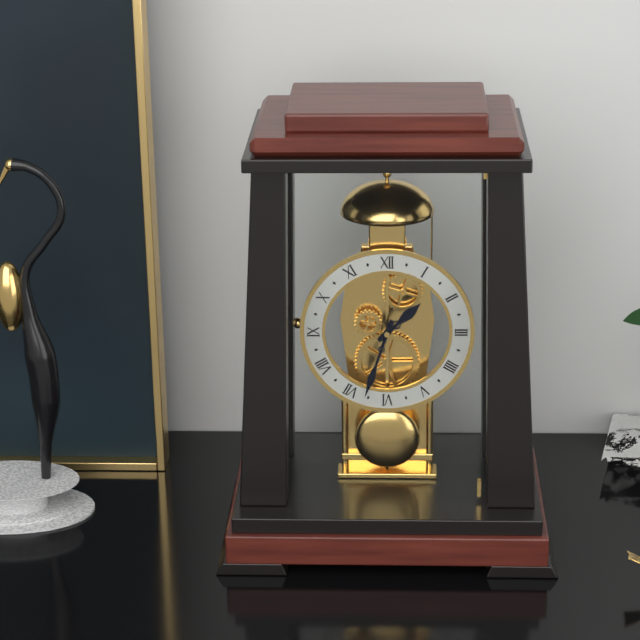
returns {"hour": 1, "minute": 33}
